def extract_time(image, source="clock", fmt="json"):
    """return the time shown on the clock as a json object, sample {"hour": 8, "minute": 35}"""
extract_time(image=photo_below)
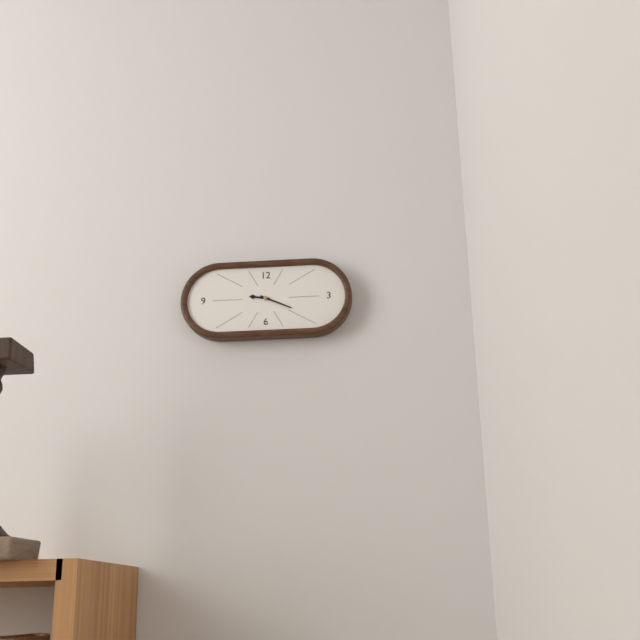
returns {"hour": 9, "minute": 19}
